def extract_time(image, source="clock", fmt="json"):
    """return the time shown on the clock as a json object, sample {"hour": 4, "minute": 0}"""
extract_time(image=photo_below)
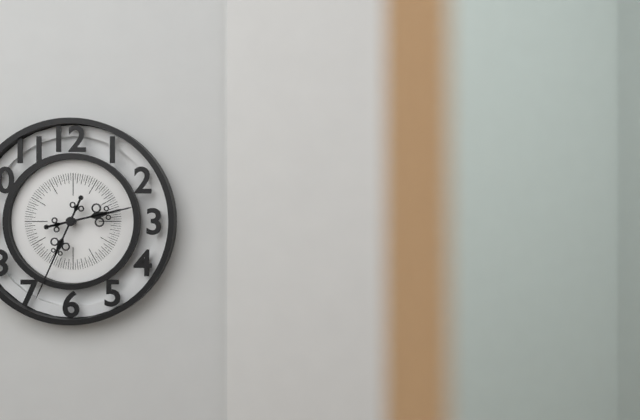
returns {"hour": 2, "minute": 34}
